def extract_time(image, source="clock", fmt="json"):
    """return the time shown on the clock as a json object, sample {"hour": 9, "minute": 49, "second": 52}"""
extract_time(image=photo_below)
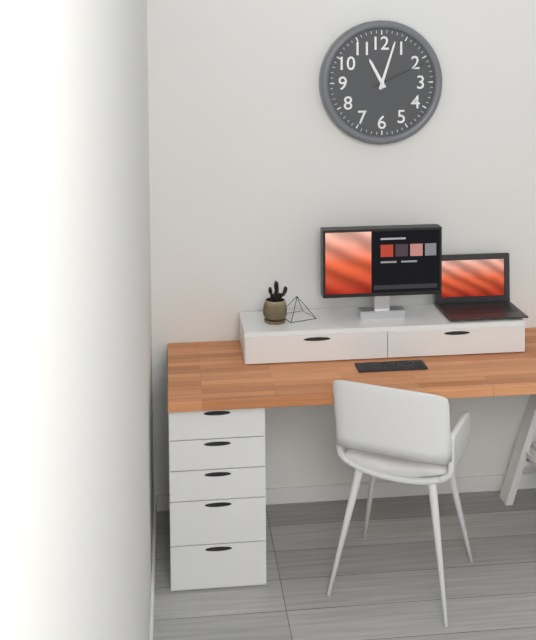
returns {"hour": 11, "minute": 3, "second": 11}
